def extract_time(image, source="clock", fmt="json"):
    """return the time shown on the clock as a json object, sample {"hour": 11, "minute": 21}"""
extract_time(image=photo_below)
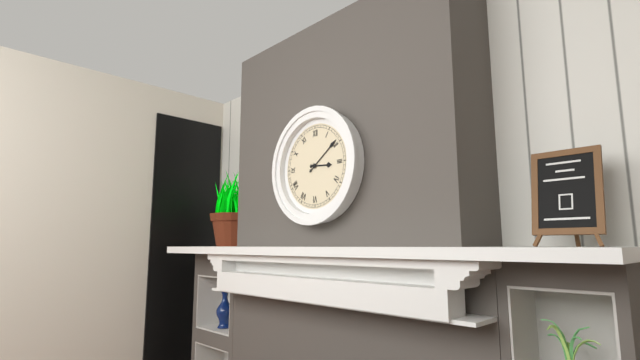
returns {"hour": 3, "minute": 9}
